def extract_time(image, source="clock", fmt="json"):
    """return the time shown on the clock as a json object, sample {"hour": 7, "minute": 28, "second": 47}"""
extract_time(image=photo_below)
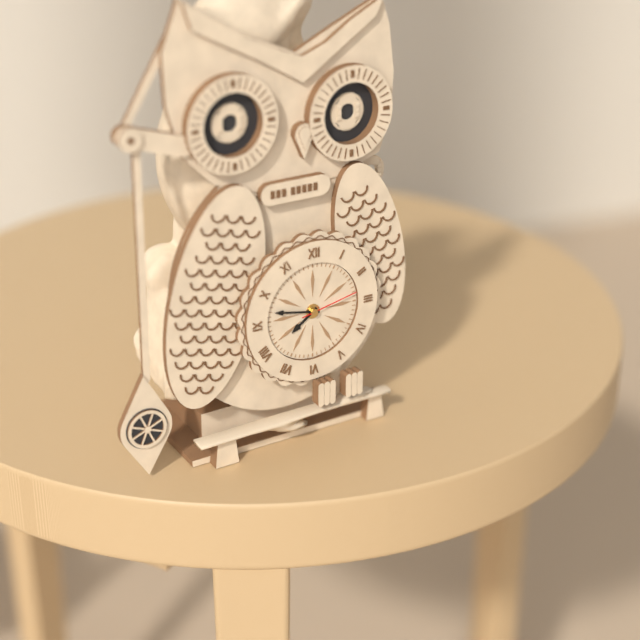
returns {"hour": 7, "minute": 47, "second": 13}
